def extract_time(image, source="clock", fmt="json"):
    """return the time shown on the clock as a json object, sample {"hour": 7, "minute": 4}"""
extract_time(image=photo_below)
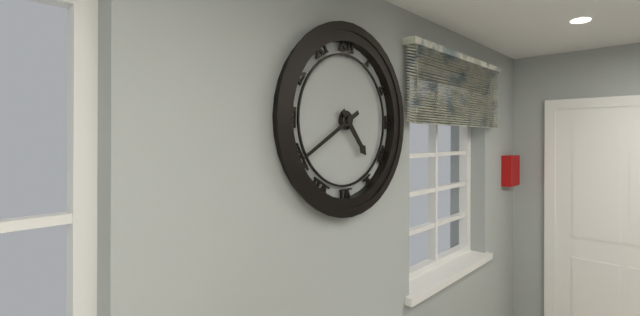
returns {"hour": 4, "minute": 40}
